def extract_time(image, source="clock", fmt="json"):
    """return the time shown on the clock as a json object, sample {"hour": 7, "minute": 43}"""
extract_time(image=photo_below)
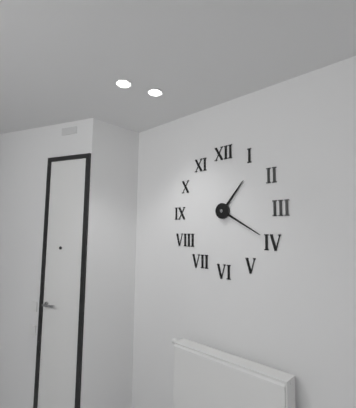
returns {"hour": 1, "minute": 20}
